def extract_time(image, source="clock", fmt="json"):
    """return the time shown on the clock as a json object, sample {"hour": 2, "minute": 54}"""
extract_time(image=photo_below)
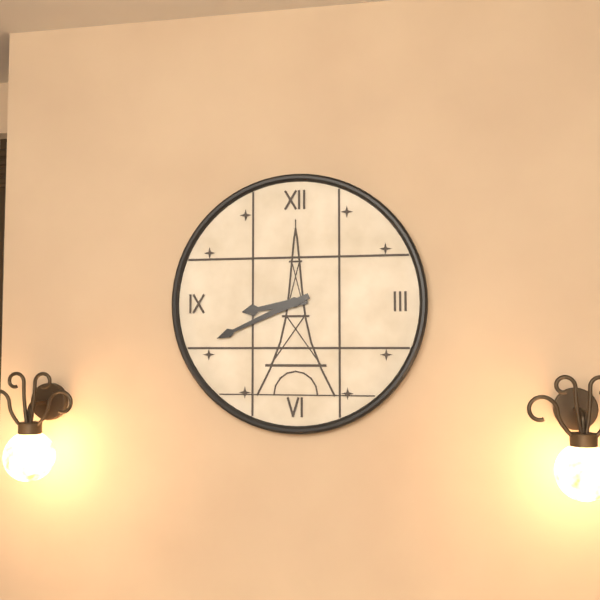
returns {"hour": 8, "minute": 41}
